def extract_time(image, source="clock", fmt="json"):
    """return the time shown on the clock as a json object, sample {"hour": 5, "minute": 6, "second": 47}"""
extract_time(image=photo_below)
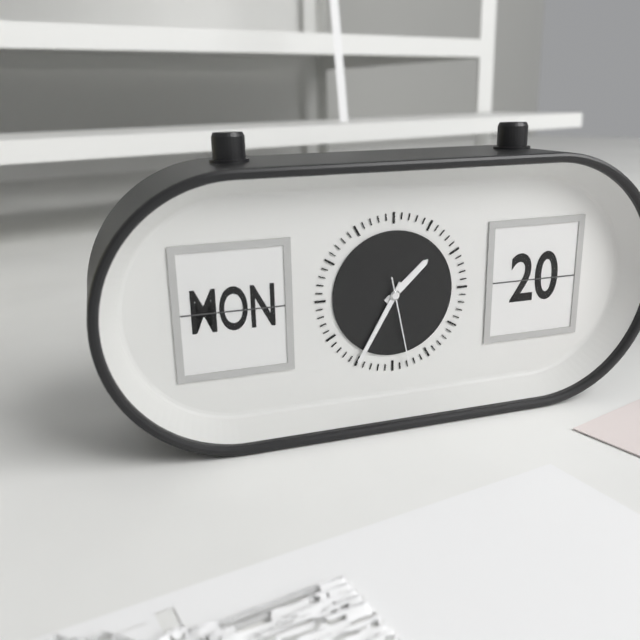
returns {"hour": 1, "minute": 35, "second": 28}
